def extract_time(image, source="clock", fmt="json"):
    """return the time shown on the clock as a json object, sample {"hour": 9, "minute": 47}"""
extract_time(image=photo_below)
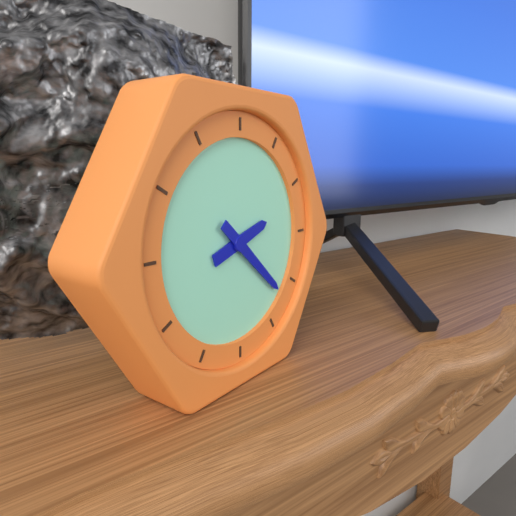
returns {"hour": 2, "minute": 22}
